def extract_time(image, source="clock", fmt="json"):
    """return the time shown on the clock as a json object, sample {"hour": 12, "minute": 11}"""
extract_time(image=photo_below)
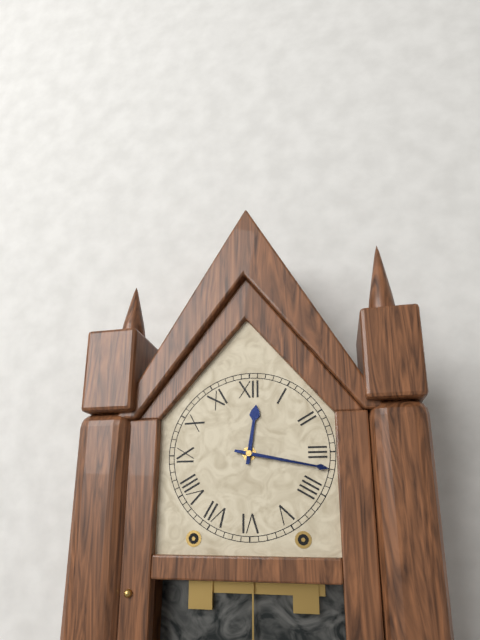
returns {"hour": 12, "minute": 17}
